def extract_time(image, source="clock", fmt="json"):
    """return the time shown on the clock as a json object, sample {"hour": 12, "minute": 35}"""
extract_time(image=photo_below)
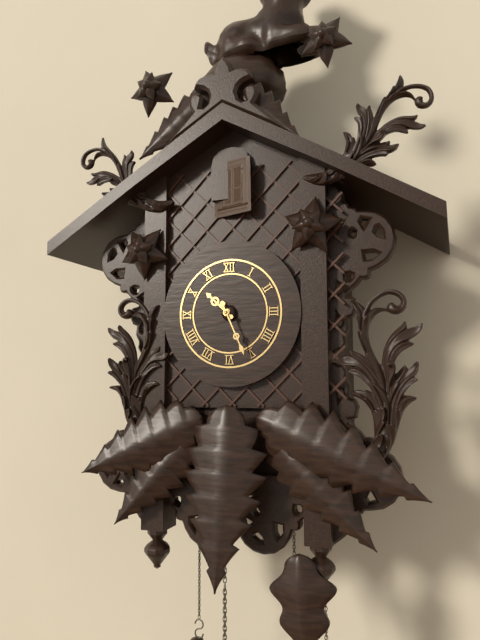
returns {"hour": 10, "minute": 26}
